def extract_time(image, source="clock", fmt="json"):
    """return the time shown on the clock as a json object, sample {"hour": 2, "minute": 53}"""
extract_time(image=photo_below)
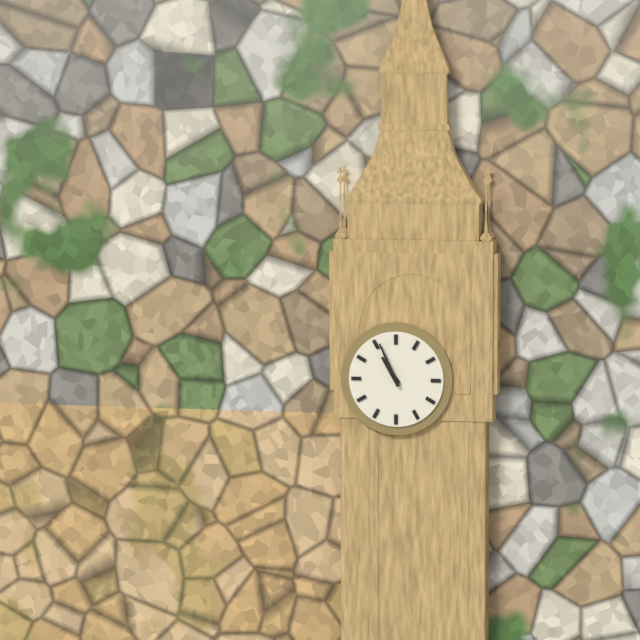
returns {"hour": 10, "minute": 56}
